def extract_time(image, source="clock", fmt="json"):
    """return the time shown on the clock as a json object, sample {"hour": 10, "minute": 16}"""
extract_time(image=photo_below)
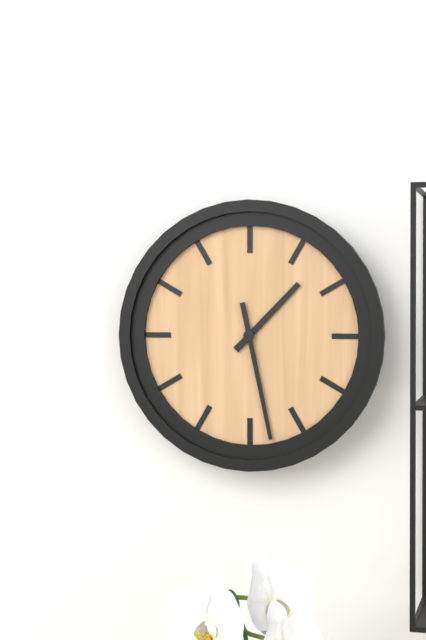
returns {"hour": 1, "minute": 28}
